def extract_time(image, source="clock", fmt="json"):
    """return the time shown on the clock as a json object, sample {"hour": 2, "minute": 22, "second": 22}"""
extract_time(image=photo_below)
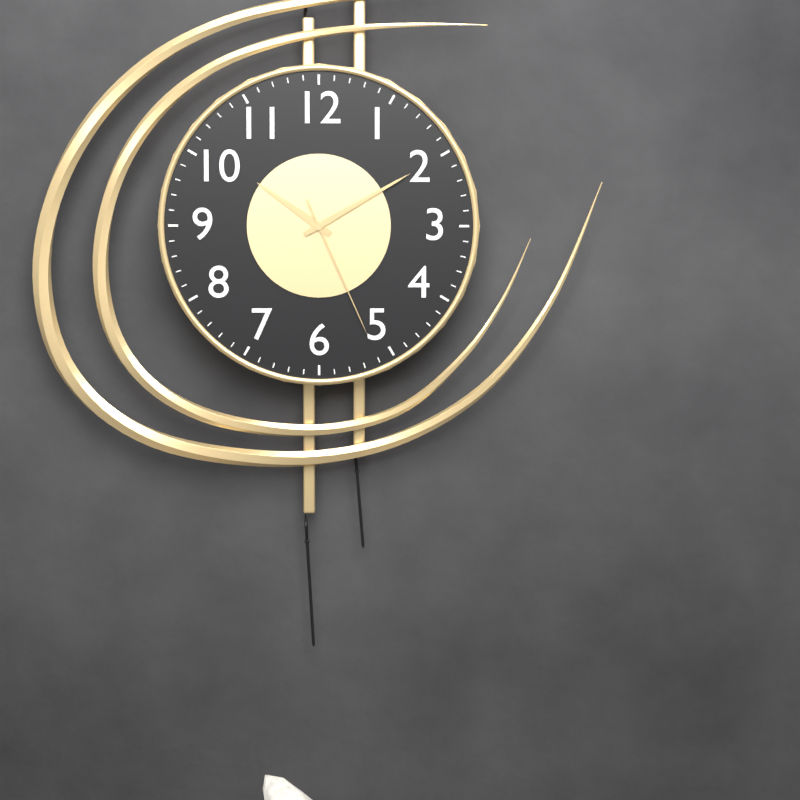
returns {"hour": 10, "minute": 10, "second": 26}
